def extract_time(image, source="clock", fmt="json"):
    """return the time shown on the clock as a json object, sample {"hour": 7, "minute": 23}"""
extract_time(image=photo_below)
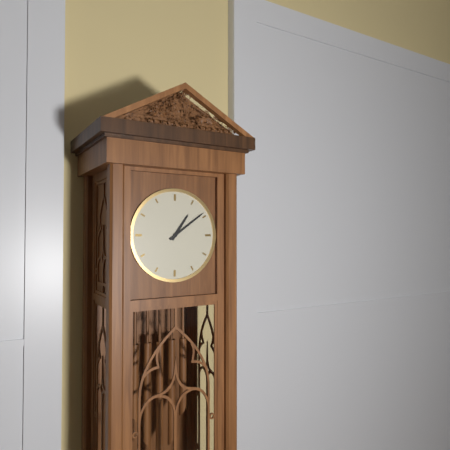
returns {"hour": 1, "minute": 9}
